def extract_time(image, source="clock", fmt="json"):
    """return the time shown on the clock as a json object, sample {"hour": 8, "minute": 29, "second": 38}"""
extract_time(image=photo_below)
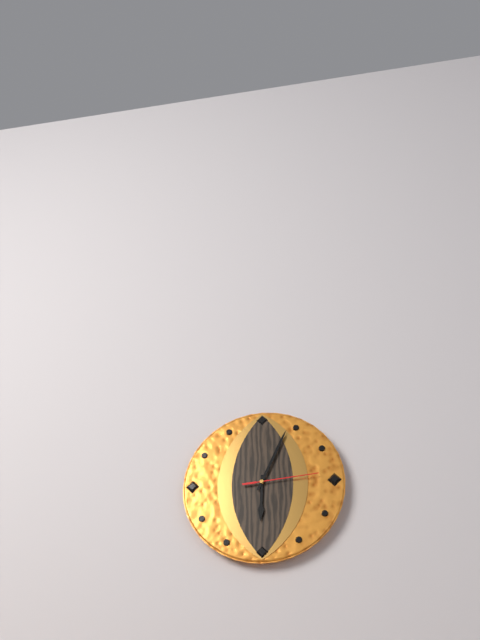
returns {"hour": 6, "minute": 4, "second": 14}
